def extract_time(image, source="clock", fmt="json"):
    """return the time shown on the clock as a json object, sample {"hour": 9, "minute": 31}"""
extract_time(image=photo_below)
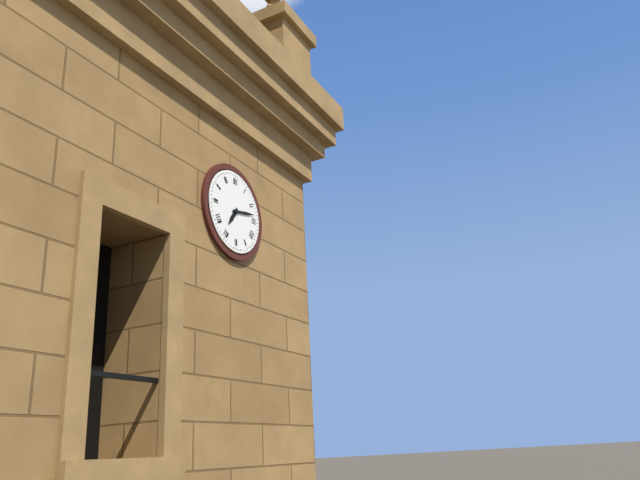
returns {"hour": 7, "minute": 13}
